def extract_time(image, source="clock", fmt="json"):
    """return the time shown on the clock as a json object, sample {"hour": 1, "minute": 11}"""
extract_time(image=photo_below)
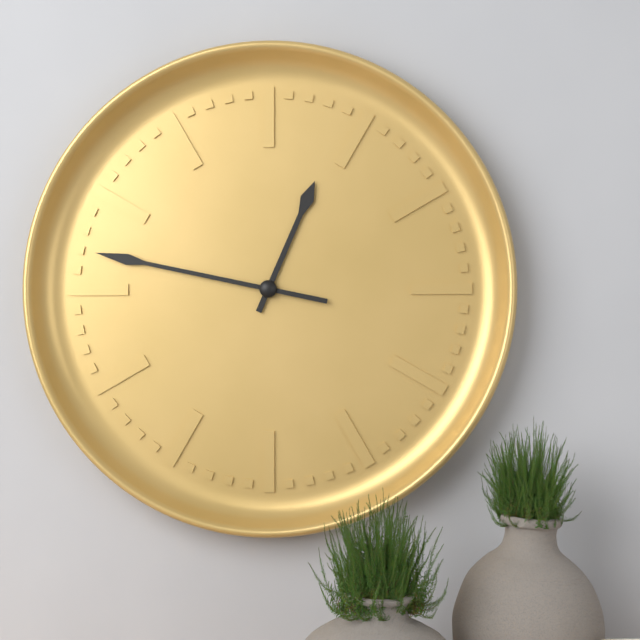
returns {"hour": 12, "minute": 47}
